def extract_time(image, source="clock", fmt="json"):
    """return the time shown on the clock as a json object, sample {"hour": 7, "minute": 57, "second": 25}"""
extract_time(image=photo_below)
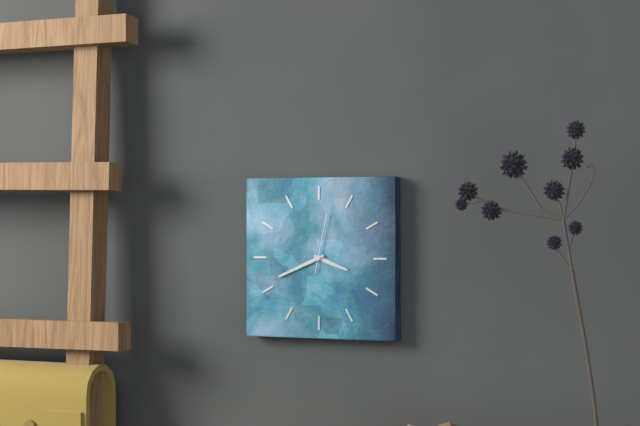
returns {"hour": 3, "minute": 41, "second": 2}
